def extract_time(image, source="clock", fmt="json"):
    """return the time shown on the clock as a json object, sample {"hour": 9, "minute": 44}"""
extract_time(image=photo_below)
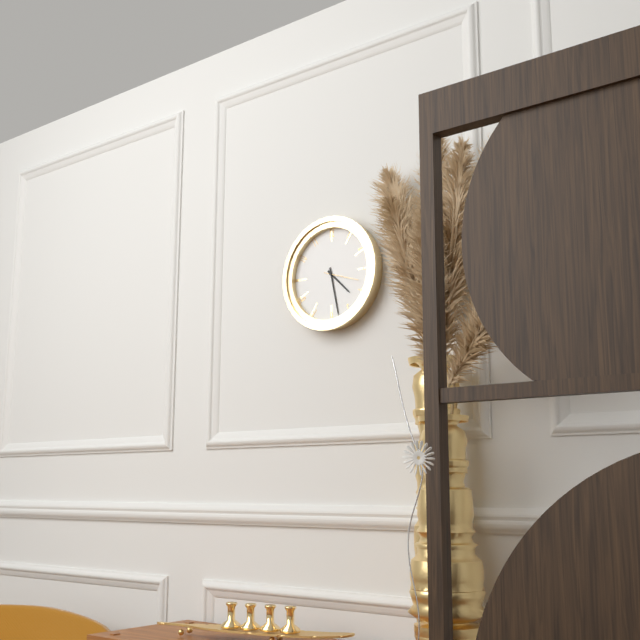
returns {"hour": 4, "minute": 28}
